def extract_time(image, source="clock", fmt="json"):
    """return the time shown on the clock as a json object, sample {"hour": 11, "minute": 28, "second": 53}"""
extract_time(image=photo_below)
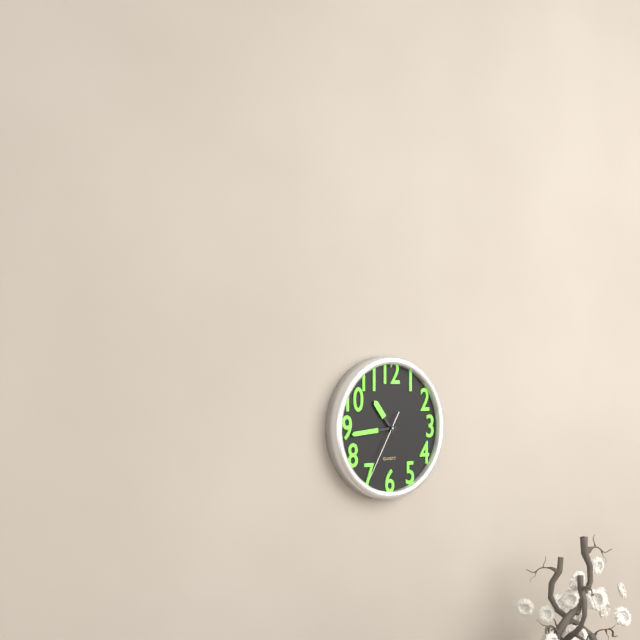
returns {"hour": 10, "minute": 44, "second": 35}
